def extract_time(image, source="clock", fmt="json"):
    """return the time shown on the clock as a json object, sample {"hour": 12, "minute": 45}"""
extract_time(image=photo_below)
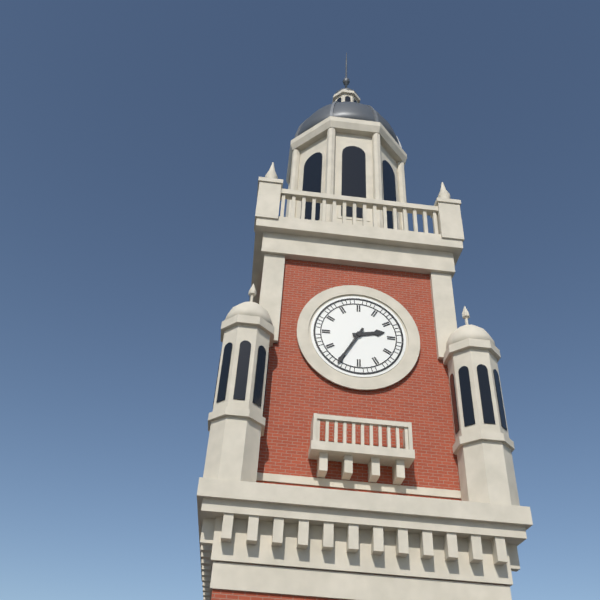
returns {"hour": 2, "minute": 35}
